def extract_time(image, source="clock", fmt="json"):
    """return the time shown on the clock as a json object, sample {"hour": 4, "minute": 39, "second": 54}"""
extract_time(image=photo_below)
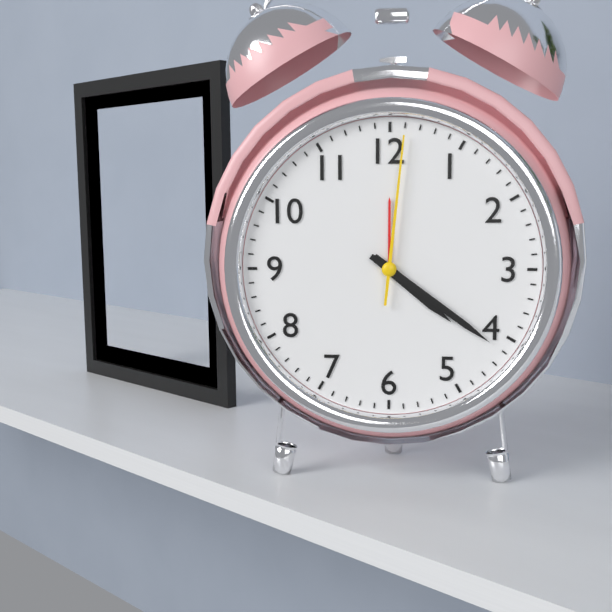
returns {"hour": 4, "minute": 21, "second": 1}
